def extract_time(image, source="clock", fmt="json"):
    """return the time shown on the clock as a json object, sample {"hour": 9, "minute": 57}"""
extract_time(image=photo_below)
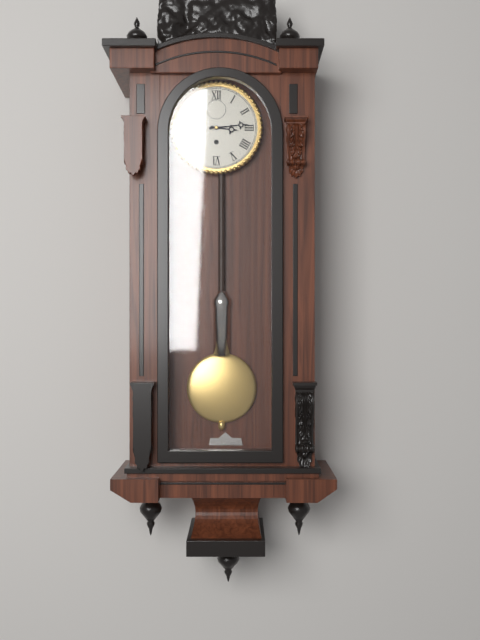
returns {"hour": 3, "minute": 14}
